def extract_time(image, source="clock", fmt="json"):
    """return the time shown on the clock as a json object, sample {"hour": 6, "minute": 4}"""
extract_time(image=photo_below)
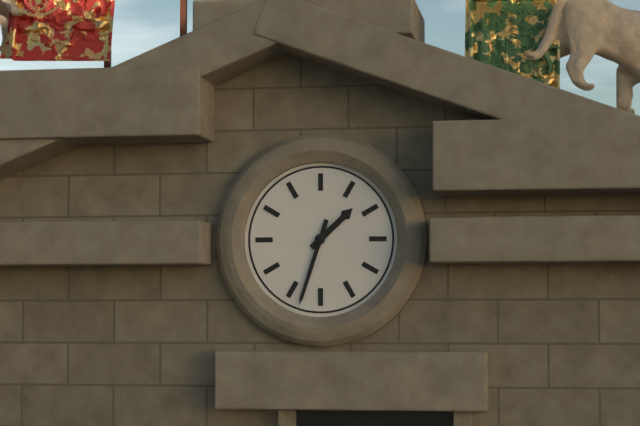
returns {"hour": 1, "minute": 33}
